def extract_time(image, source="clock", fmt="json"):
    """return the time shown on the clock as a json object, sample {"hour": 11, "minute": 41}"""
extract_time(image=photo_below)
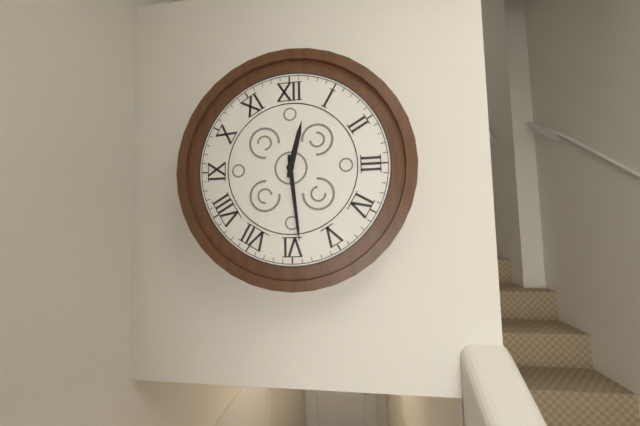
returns {"hour": 12, "minute": 29}
